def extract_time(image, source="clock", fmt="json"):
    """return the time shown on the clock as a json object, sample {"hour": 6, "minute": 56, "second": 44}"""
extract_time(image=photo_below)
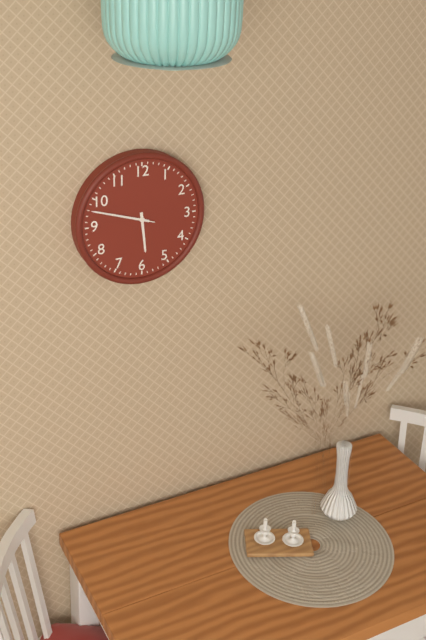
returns {"hour": 5, "minute": 48, "second": 48}
